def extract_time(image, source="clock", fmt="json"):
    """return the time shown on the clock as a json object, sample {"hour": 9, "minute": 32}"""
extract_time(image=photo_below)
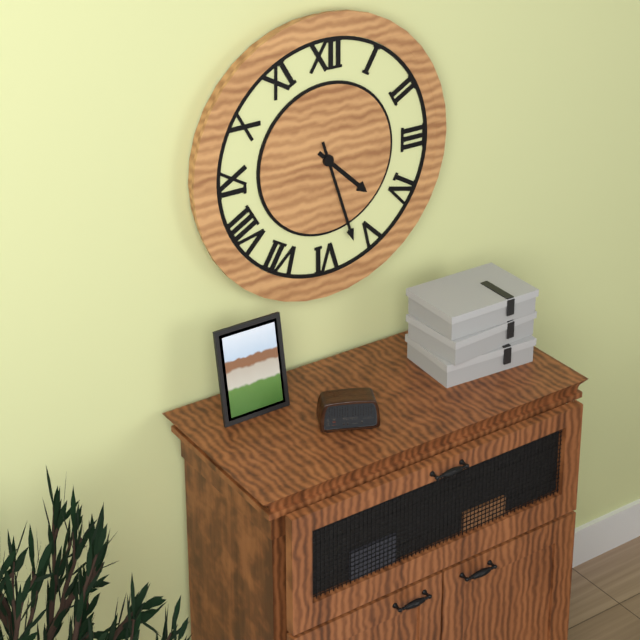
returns {"hour": 4, "minute": 27}
